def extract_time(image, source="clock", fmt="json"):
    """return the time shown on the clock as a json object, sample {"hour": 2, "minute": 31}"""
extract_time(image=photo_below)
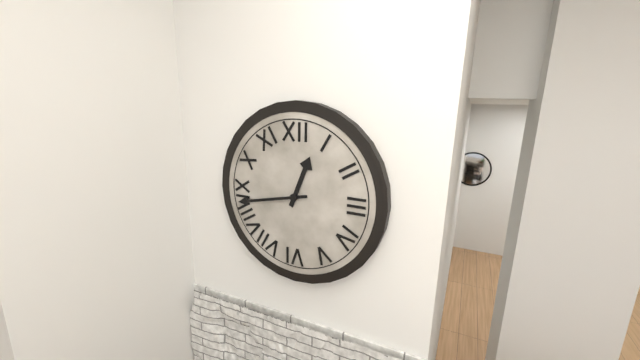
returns {"hour": 12, "minute": 43}
